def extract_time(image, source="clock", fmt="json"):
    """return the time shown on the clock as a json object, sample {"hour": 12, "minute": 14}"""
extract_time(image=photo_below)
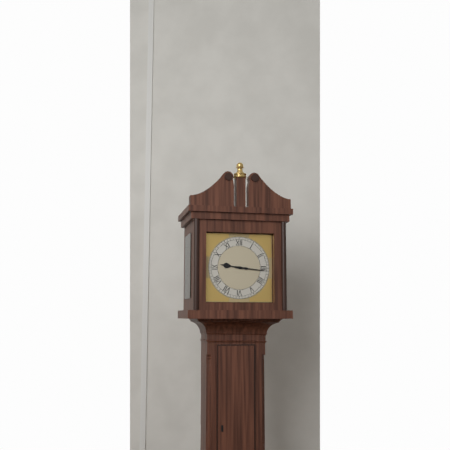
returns {"hour": 9, "minute": 16}
